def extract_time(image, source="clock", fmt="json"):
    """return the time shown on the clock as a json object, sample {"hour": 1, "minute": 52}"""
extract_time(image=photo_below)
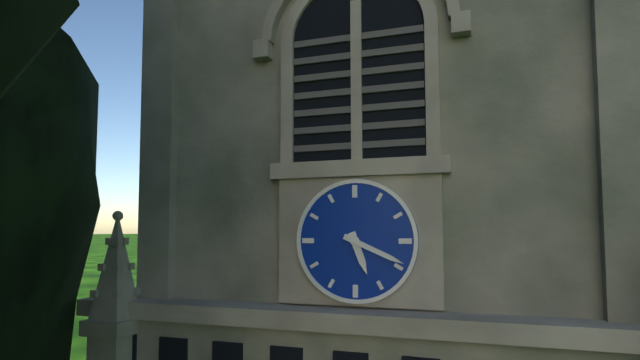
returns {"hour": 5, "minute": 19}
